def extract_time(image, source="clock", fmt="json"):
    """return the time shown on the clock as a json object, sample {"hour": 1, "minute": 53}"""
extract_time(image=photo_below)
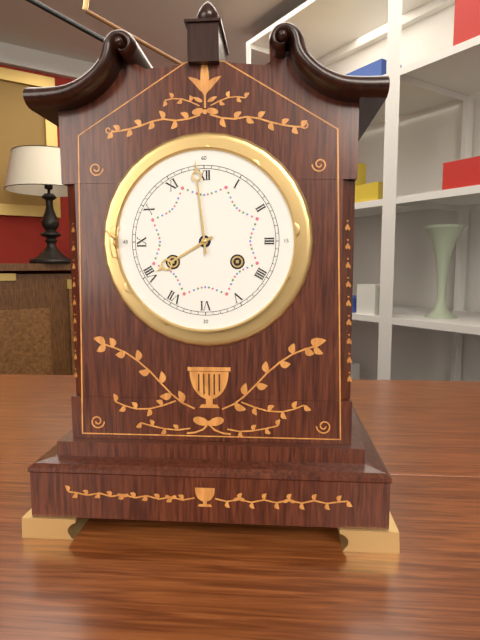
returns {"hour": 7, "minute": 59}
